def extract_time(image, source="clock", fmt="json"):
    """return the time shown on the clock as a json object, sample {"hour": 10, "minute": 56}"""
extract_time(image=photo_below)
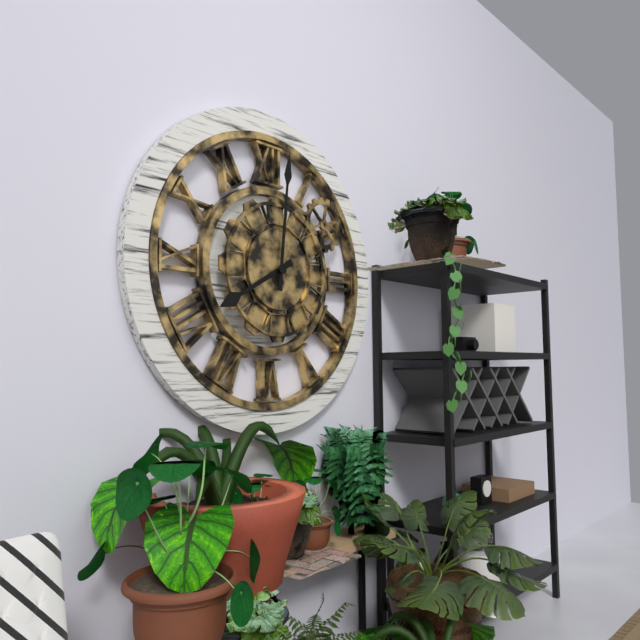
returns {"hour": 8, "minute": 1}
